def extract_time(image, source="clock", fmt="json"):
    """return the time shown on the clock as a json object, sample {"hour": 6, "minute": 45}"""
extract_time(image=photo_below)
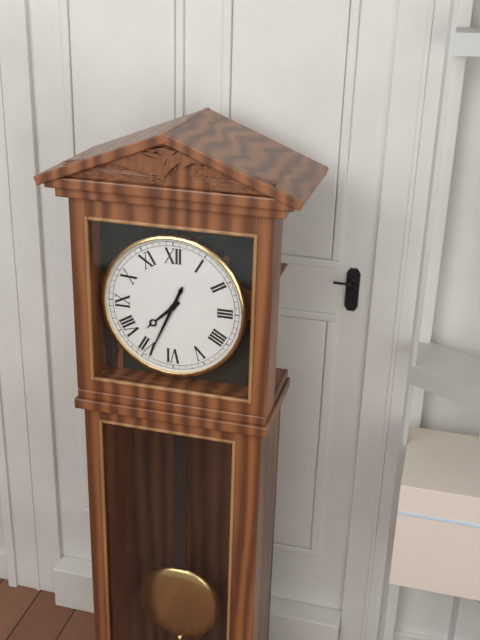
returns {"hour": 7, "minute": 34}
